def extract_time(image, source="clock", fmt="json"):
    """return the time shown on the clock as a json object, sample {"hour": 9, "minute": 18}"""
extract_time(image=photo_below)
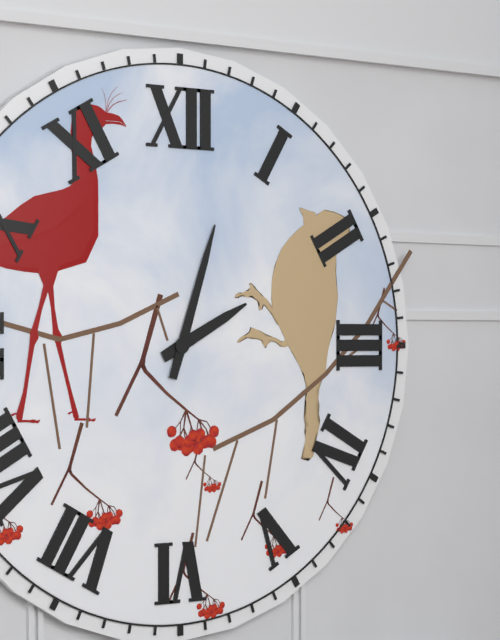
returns {"hour": 2, "minute": 3}
